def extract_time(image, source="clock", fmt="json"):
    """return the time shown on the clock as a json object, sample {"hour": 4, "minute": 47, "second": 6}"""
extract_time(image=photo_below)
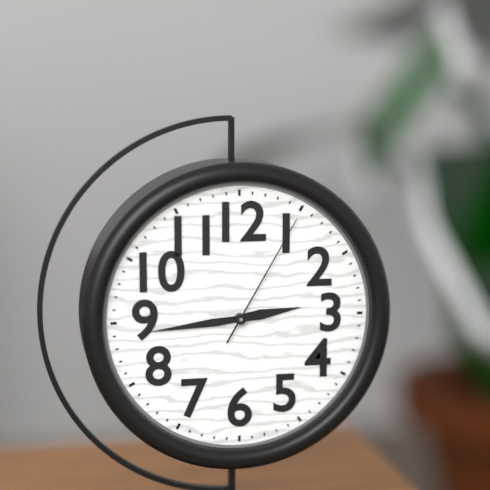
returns {"hour": 2, "minute": 44, "second": 5}
